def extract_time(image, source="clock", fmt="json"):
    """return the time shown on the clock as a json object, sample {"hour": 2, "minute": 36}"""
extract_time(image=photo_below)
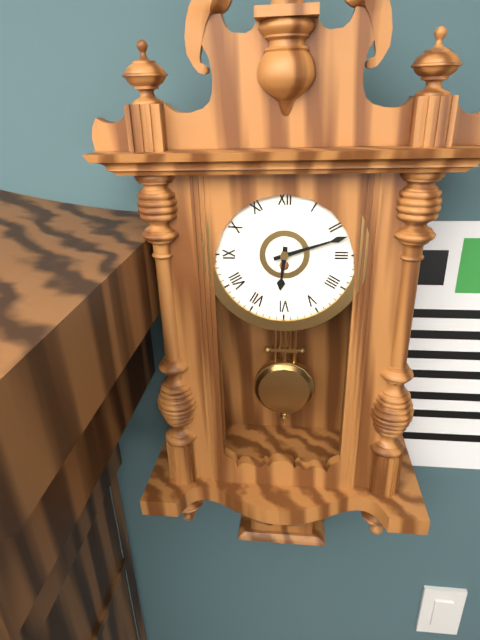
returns {"hour": 6, "minute": 12}
